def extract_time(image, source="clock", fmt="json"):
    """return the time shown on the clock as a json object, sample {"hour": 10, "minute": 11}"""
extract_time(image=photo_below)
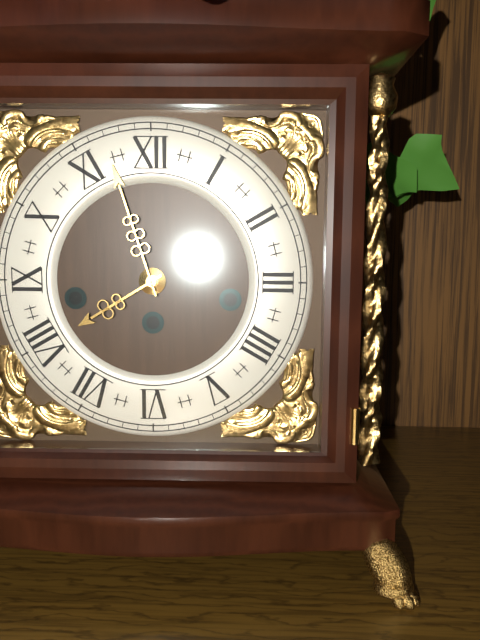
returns {"hour": 7, "minute": 57}
